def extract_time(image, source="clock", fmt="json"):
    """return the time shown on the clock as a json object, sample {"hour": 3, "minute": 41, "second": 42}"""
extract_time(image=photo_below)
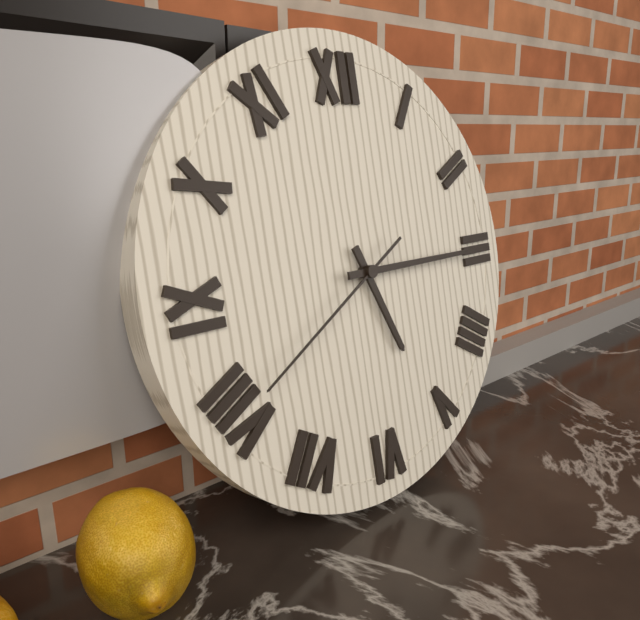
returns {"hour": 5, "minute": 15, "second": 40}
